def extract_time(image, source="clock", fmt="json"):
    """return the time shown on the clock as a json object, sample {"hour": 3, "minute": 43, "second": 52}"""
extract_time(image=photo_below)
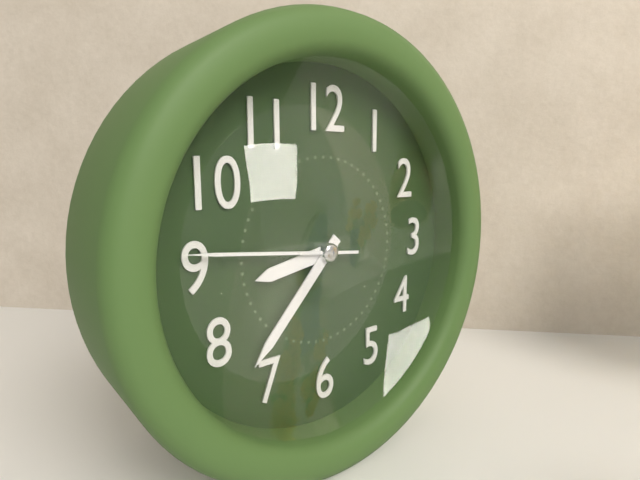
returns {"hour": 8, "minute": 37, "second": 46}
